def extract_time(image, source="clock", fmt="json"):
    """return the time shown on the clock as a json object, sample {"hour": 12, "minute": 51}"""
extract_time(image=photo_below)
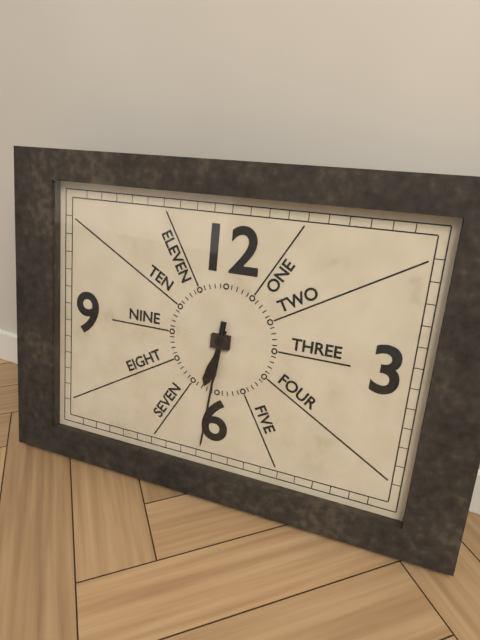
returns {"hour": 6, "minute": 31}
